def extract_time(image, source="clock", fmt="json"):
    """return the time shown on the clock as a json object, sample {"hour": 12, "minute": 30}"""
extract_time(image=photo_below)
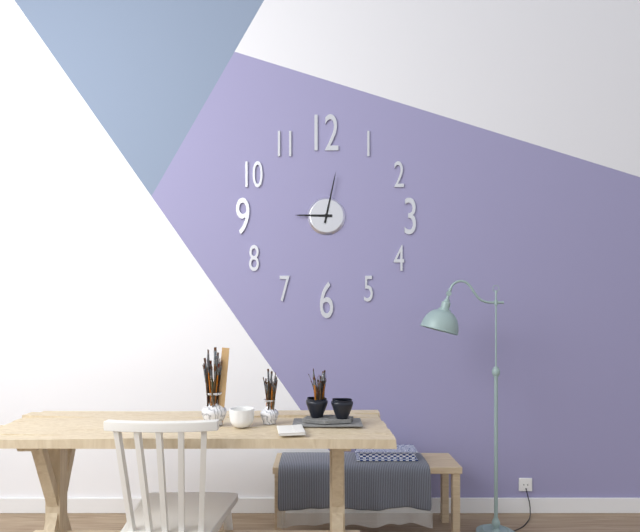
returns {"hour": 9, "minute": 2}
